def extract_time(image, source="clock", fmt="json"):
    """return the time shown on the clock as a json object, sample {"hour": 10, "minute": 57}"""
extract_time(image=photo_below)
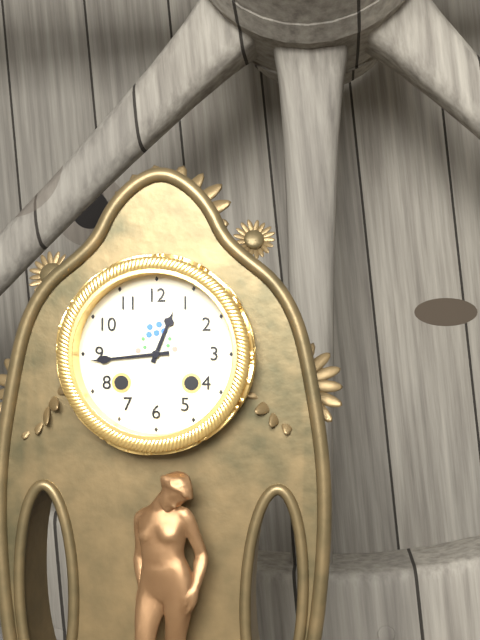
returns {"hour": 12, "minute": 44}
